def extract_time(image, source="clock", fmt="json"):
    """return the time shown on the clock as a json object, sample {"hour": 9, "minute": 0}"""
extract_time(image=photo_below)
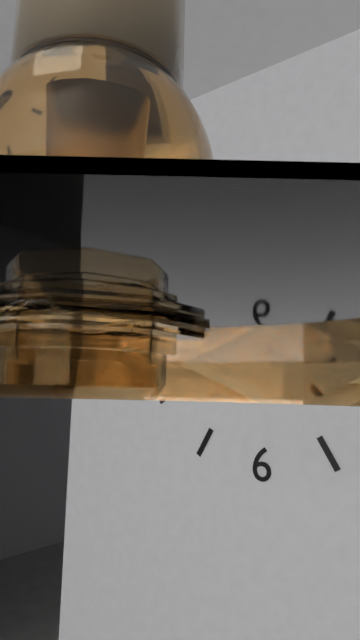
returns {"hour": 8, "minute": 54}
